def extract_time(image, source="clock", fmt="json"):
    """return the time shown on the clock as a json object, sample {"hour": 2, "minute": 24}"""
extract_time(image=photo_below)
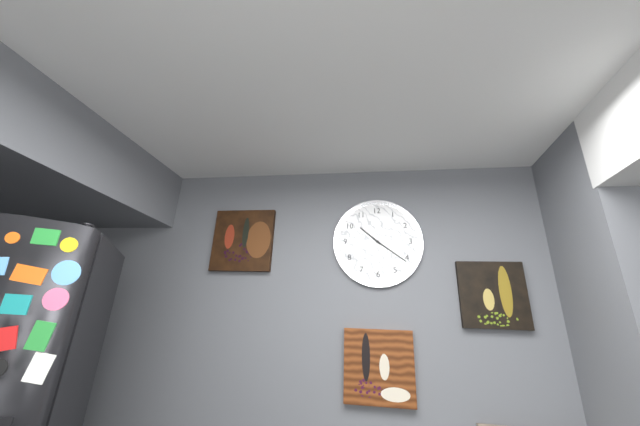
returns {"hour": 10, "minute": 21}
